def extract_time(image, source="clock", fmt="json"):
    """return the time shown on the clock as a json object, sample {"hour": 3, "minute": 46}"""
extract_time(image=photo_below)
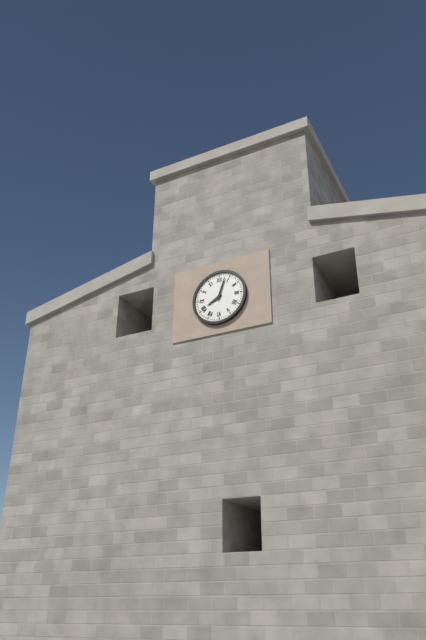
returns {"hour": 8, "minute": 3}
